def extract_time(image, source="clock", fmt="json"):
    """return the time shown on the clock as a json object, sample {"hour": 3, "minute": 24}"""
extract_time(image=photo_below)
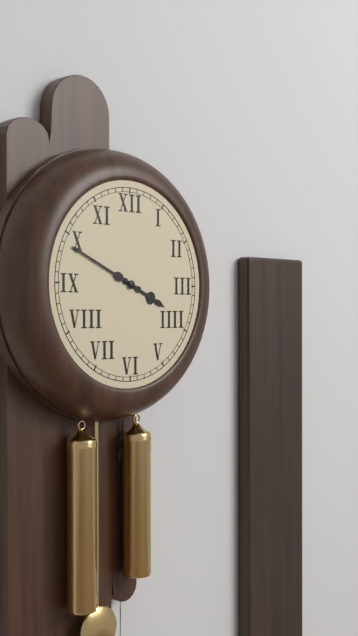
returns {"hour": 3, "minute": 49}
